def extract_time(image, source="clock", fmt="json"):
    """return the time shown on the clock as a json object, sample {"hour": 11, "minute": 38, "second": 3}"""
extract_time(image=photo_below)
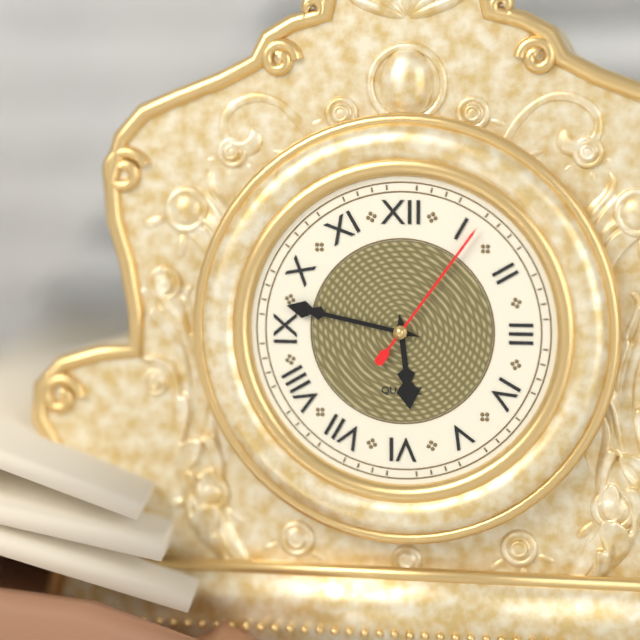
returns {"hour": 5, "minute": 47, "second": 6}
